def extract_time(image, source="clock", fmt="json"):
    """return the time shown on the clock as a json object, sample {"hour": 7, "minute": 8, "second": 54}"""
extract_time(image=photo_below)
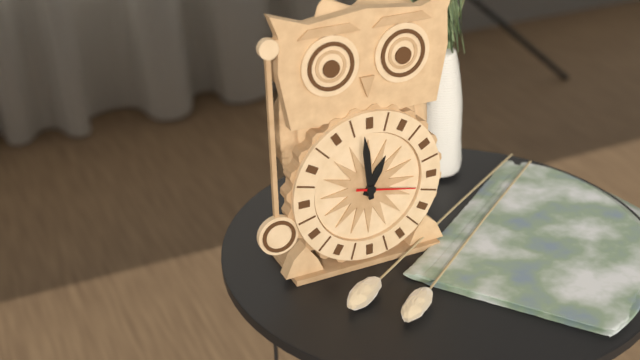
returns {"hour": 12, "minute": 59, "second": 17}
